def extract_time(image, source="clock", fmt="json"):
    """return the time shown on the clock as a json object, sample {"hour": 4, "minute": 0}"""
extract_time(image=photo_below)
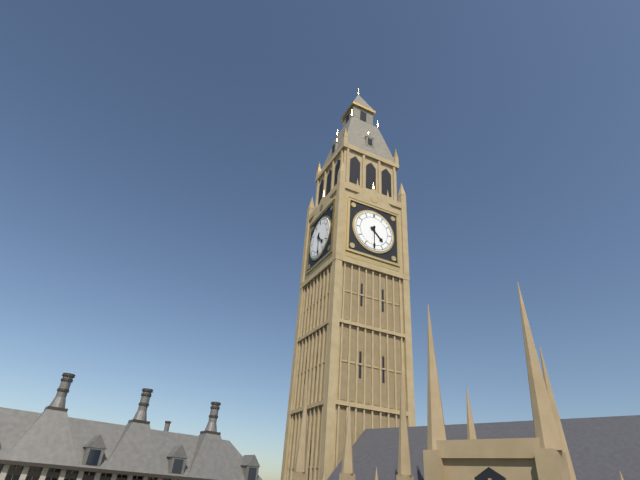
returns {"hour": 4, "minute": 30}
